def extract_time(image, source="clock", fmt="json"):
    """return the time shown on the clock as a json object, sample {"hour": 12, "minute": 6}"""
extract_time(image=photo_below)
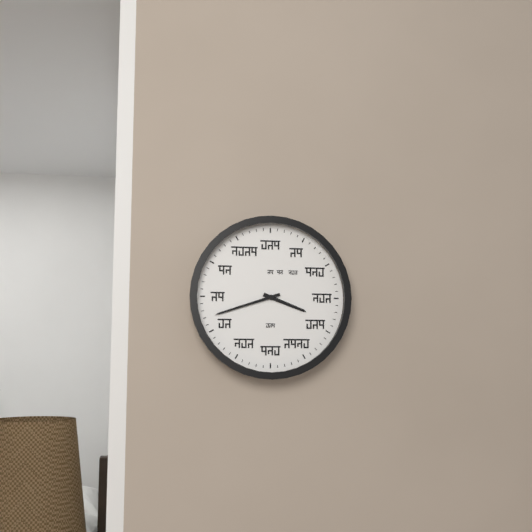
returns {"hour": 3, "minute": 42}
